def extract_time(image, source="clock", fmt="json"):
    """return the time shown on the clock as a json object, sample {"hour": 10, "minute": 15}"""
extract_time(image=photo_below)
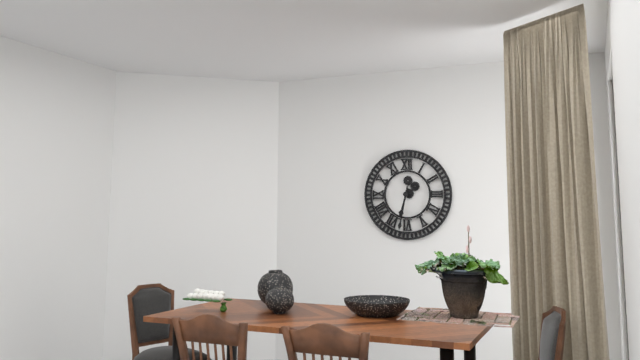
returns {"hour": 6, "minute": 32}
